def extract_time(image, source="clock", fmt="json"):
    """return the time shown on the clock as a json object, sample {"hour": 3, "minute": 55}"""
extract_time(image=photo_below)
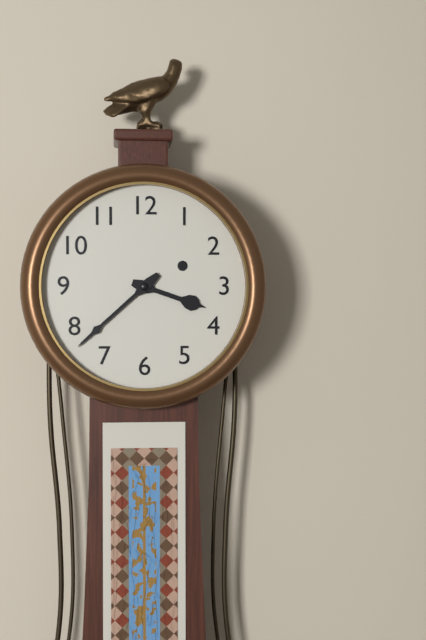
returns {"hour": 3, "minute": 38}
